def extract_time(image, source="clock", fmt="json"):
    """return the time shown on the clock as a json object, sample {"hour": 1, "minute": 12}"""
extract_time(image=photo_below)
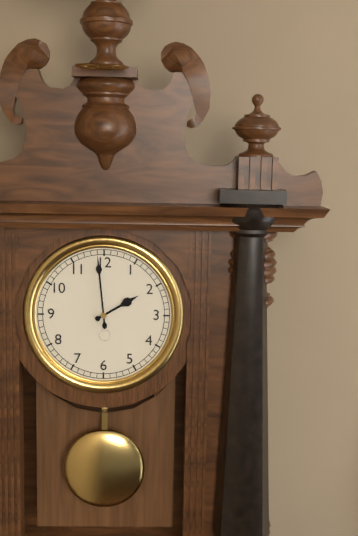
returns {"hour": 1, "minute": 59}
